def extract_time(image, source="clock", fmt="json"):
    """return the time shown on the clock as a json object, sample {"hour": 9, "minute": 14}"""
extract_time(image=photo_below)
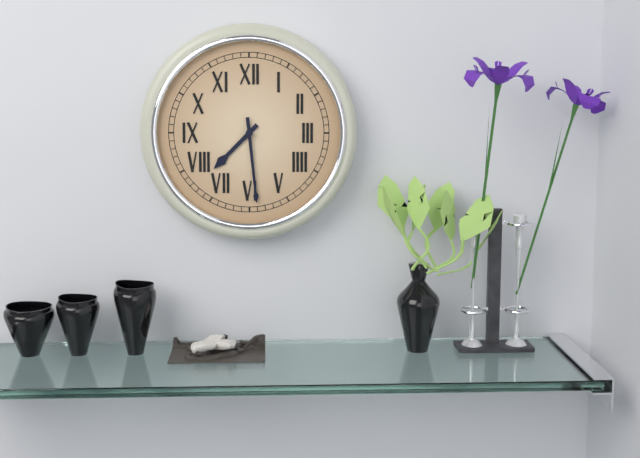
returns {"hour": 7, "minute": 29}
